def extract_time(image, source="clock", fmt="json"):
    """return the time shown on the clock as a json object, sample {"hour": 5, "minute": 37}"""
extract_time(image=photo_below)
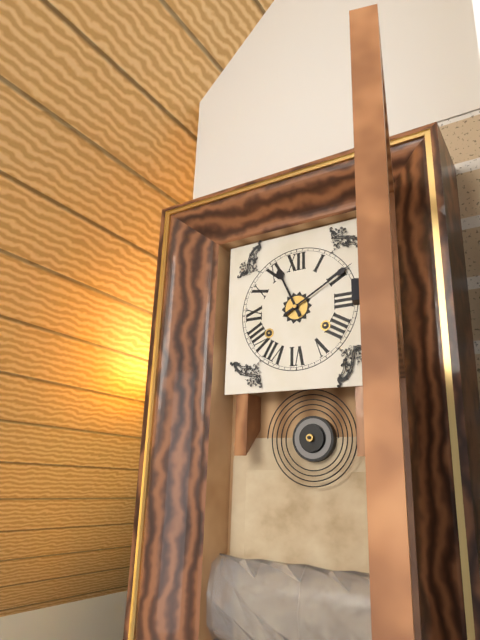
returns {"hour": 11, "minute": 10}
